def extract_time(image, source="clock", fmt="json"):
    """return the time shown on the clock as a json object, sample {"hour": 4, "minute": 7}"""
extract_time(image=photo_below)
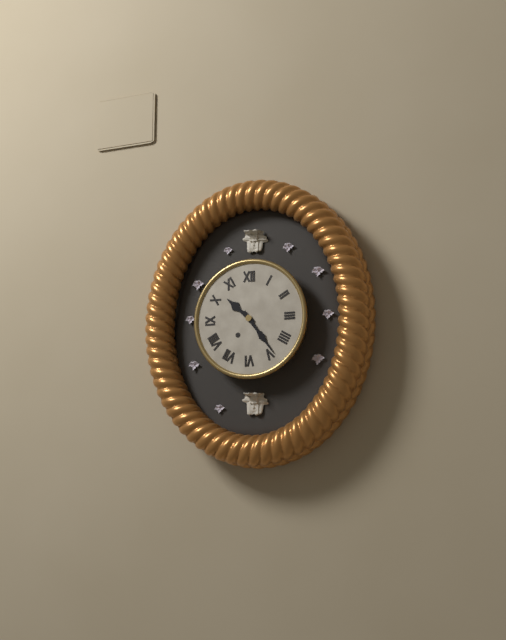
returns {"hour": 10, "minute": 24}
